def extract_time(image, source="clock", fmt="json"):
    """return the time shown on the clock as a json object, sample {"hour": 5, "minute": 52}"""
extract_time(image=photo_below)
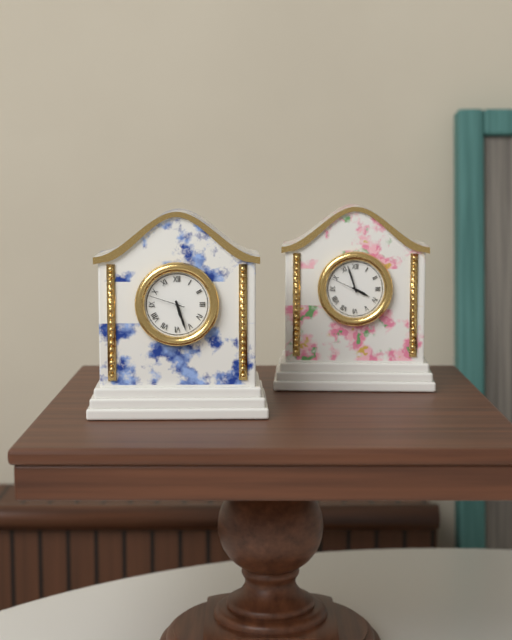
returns {"hour": 5, "minute": 27}
